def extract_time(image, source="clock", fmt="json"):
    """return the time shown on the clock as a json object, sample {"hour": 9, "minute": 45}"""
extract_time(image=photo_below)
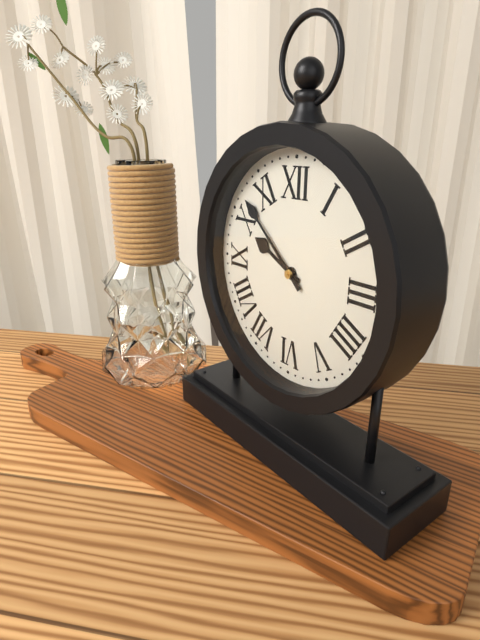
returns {"hour": 9, "minute": 52}
